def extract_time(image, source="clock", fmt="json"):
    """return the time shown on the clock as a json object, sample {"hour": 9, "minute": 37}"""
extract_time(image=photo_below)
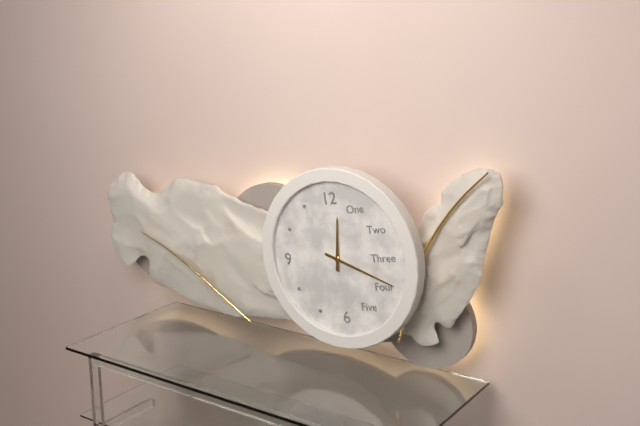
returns {"hour": 12, "minute": 19}
